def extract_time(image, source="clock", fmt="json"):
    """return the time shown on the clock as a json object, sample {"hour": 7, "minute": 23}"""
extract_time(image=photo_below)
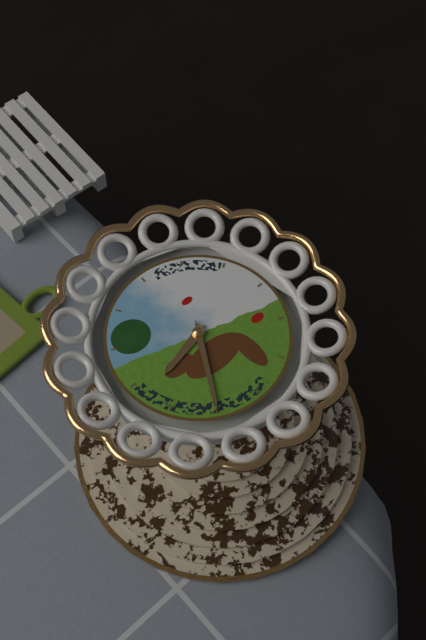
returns {"hour": 8, "minute": 35}
